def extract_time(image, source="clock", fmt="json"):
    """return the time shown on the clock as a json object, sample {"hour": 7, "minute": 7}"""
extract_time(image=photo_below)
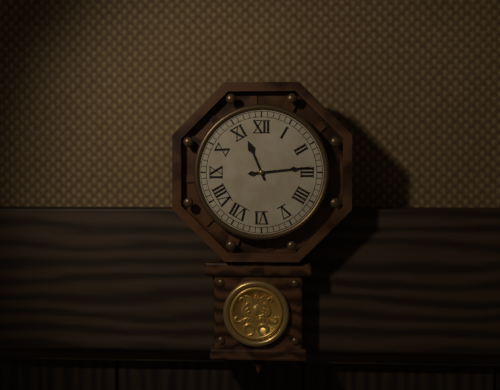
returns {"hour": 11, "minute": 14}
